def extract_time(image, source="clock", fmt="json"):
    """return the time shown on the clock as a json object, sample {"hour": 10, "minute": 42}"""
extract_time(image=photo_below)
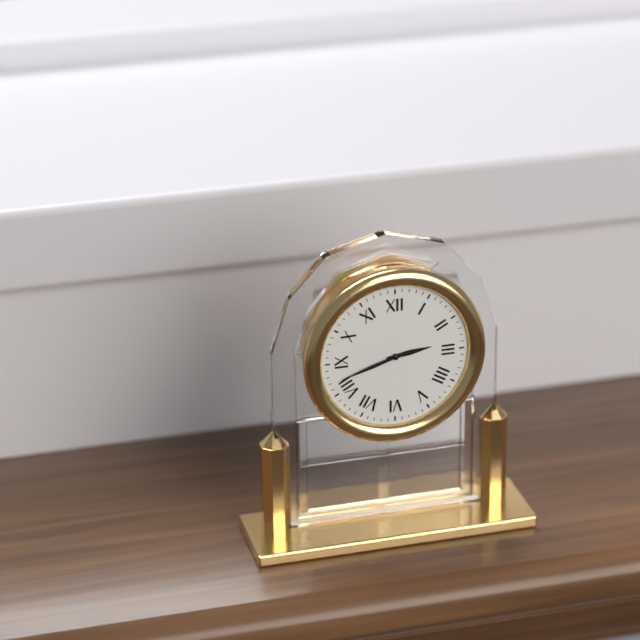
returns {"hour": 2, "minute": 42}
